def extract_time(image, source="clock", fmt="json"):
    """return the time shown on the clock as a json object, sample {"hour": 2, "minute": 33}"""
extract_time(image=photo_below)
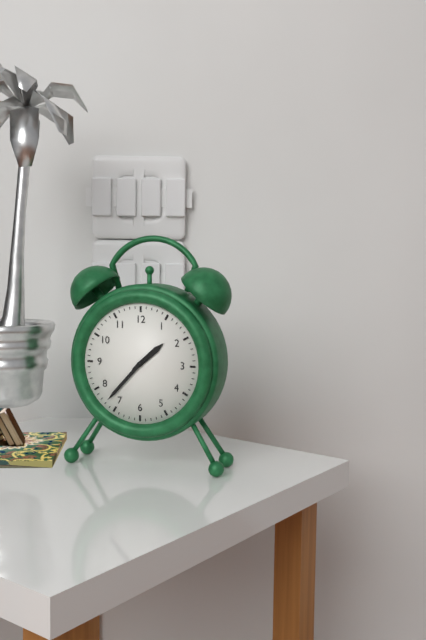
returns {"hour": 1, "minute": 37}
